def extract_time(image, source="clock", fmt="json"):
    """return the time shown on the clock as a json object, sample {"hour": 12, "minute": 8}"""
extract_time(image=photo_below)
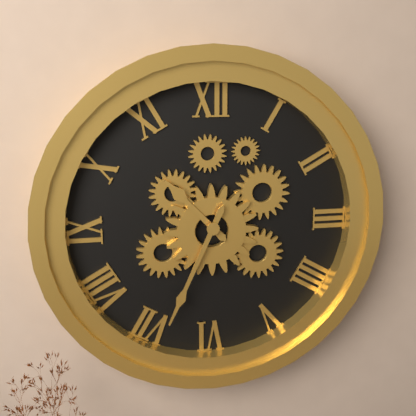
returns {"hour": 10, "minute": 34}
